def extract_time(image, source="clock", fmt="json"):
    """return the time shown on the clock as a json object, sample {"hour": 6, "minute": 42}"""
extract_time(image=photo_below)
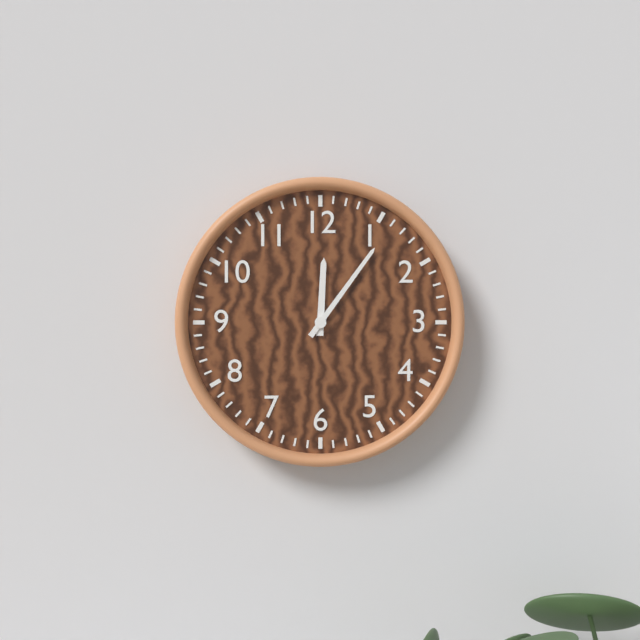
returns {"hour": 12, "minute": 6}
